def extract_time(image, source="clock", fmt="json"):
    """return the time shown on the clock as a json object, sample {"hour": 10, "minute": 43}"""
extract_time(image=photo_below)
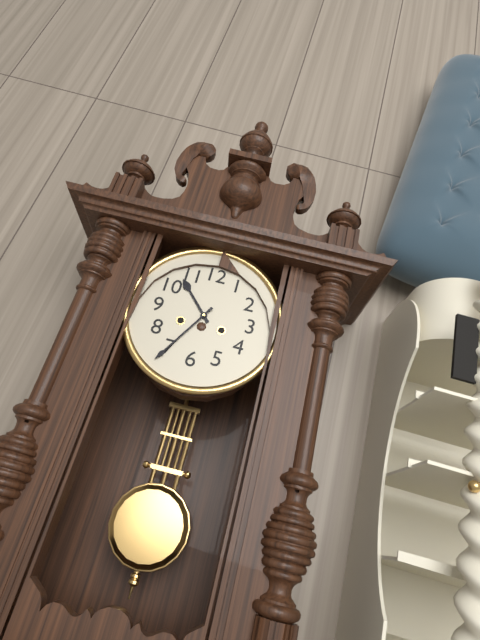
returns {"hour": 10, "minute": 35}
